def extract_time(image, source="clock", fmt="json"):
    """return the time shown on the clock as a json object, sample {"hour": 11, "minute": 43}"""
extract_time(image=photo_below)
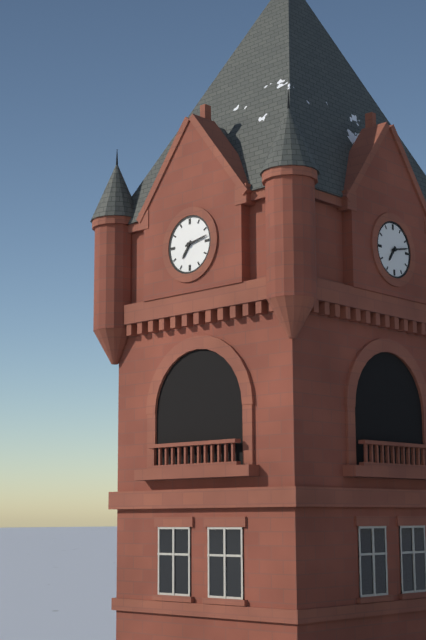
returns {"hour": 7, "minute": 13}
